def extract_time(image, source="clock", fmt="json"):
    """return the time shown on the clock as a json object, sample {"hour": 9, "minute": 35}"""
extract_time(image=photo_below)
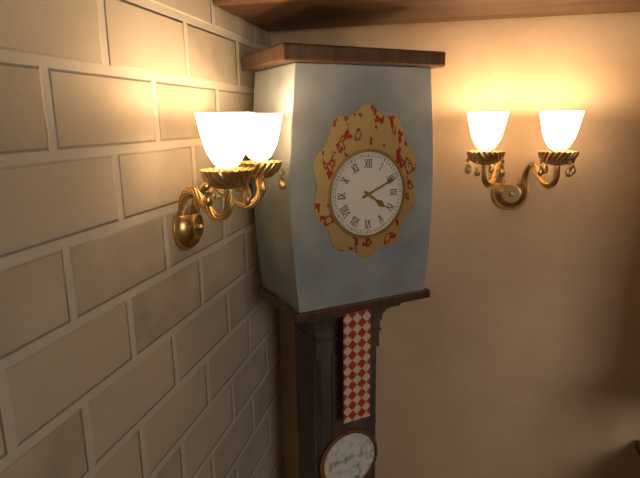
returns {"hour": 4, "minute": 11}
